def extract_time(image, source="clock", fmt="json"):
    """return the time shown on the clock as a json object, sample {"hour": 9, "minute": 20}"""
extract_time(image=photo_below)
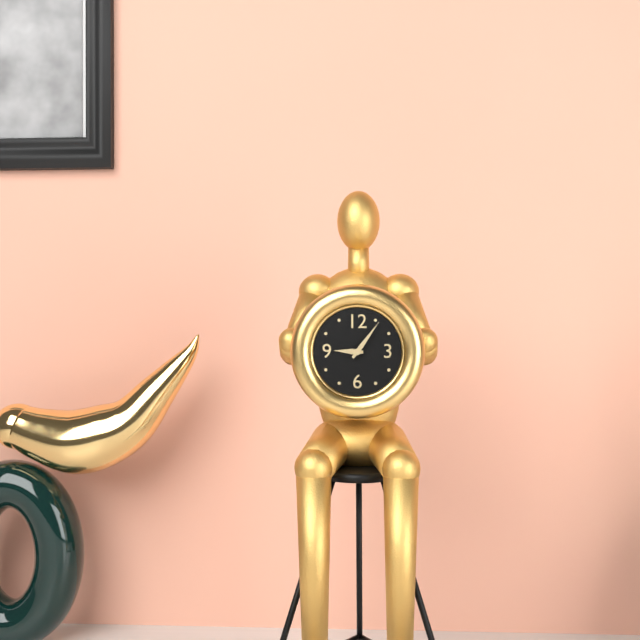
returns {"hour": 9, "minute": 6}
